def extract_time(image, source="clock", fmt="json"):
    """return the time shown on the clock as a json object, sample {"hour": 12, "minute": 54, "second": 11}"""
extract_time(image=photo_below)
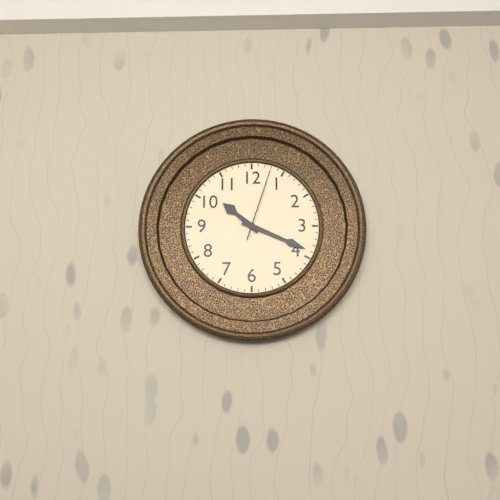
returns {"hour": 10, "minute": 19, "second": 3}
